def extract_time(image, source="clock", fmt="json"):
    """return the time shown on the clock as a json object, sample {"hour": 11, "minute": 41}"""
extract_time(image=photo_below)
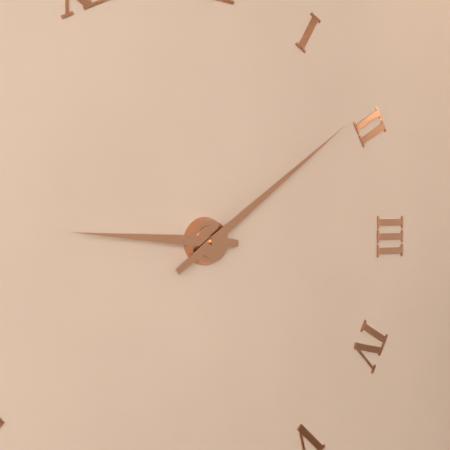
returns {"hour": 9, "minute": 9}
